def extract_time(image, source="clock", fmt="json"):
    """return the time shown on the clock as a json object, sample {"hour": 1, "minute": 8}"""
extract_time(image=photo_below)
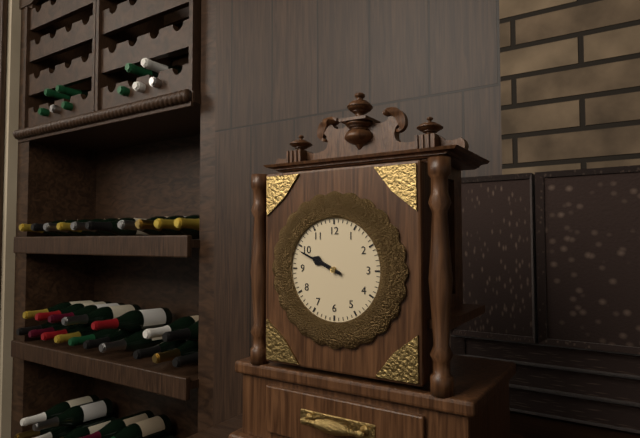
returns {"hour": 9, "minute": 49}
